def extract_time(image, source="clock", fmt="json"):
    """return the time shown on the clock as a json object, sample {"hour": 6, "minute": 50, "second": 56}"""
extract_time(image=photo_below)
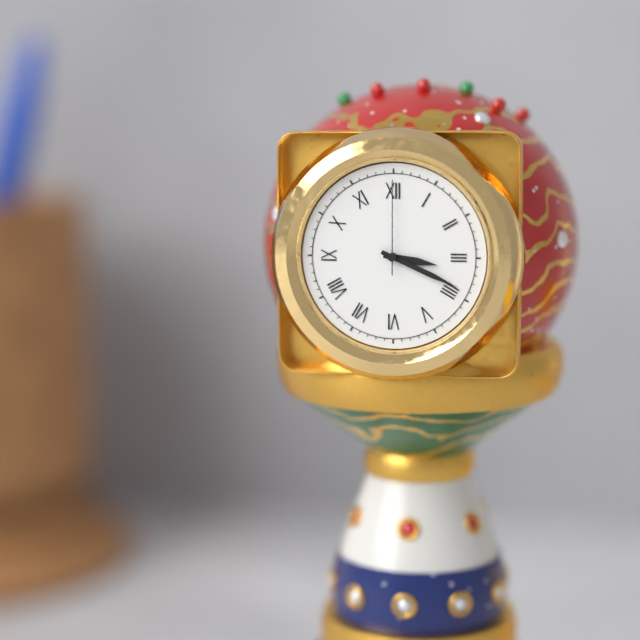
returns {"hour": 3, "minute": 19, "second": 0}
